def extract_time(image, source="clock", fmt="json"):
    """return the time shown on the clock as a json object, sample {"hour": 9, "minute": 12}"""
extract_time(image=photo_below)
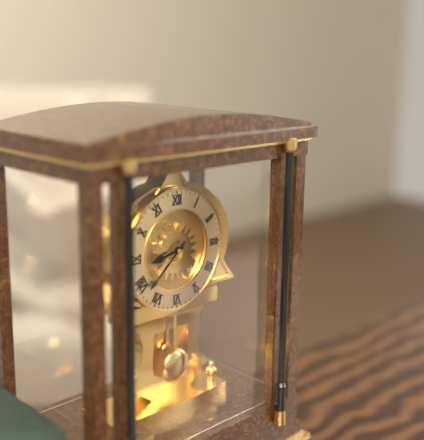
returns {"hour": 8, "minute": 38}
